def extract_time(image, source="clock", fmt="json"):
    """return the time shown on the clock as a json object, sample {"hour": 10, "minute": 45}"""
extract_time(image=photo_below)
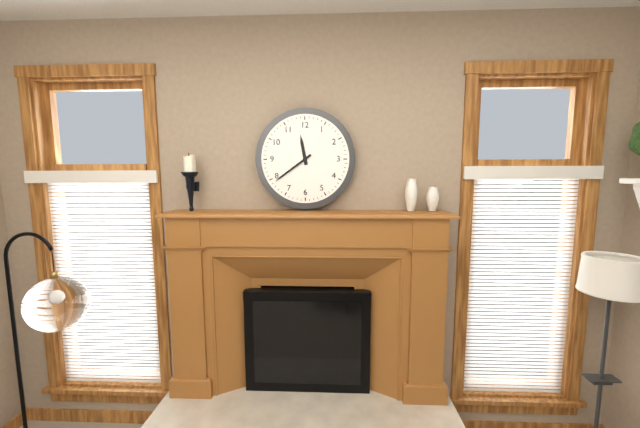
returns {"hour": 11, "minute": 39}
